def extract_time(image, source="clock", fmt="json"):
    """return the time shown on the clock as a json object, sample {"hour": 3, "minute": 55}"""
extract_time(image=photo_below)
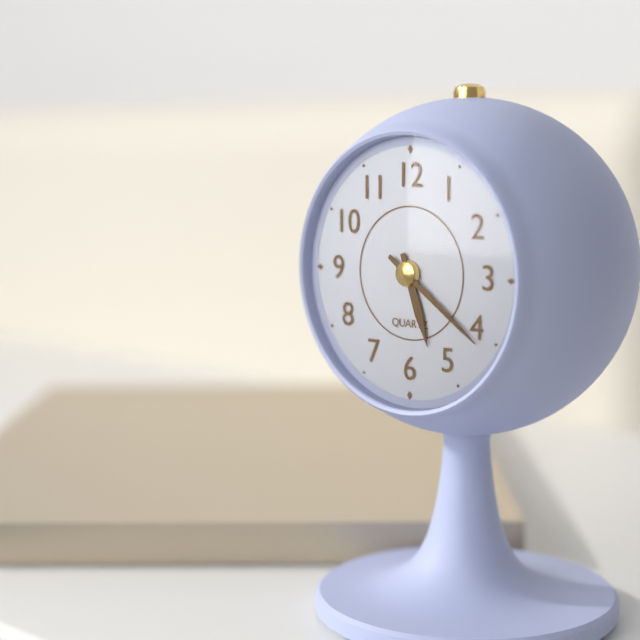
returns {"hour": 5, "minute": 21}
